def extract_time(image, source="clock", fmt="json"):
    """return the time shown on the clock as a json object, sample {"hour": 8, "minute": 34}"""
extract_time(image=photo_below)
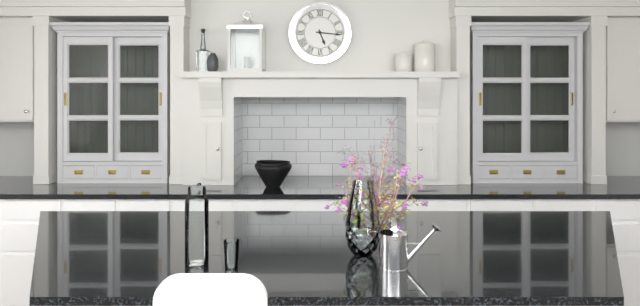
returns {"hour": 5, "minute": 16}
